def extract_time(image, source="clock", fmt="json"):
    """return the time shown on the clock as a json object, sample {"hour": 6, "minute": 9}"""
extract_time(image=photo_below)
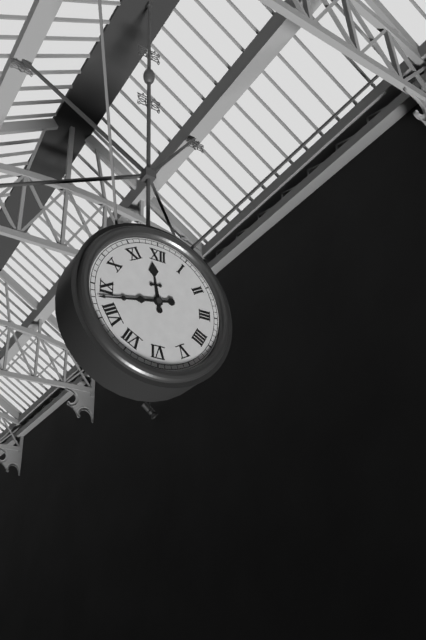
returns {"hour": 11, "minute": 43}
